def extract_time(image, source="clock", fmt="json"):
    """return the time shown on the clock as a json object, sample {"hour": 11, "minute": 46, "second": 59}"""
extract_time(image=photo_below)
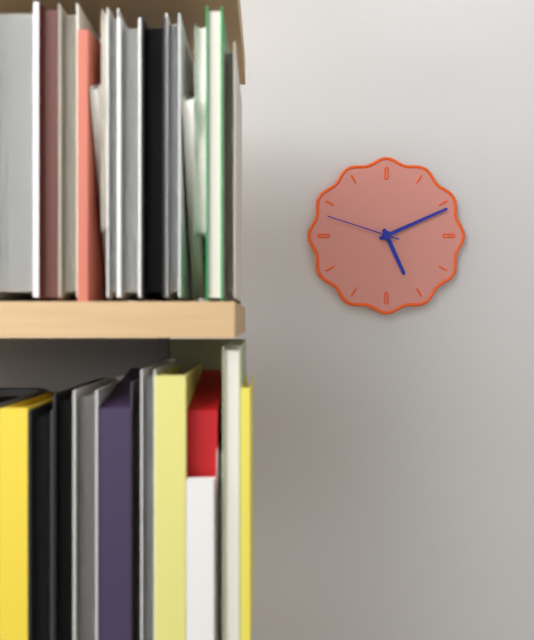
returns {"hour": 5, "minute": 11, "second": 48}
